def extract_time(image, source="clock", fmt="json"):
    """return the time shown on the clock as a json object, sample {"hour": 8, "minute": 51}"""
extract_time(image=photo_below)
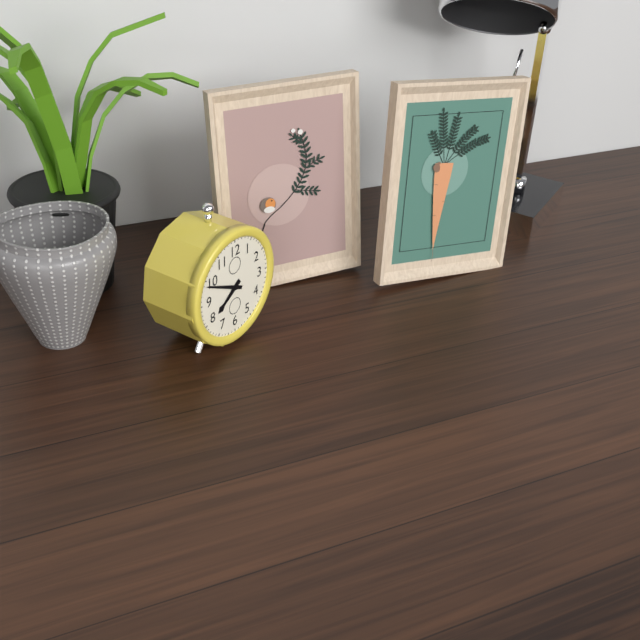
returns {"hour": 7, "minute": 49}
